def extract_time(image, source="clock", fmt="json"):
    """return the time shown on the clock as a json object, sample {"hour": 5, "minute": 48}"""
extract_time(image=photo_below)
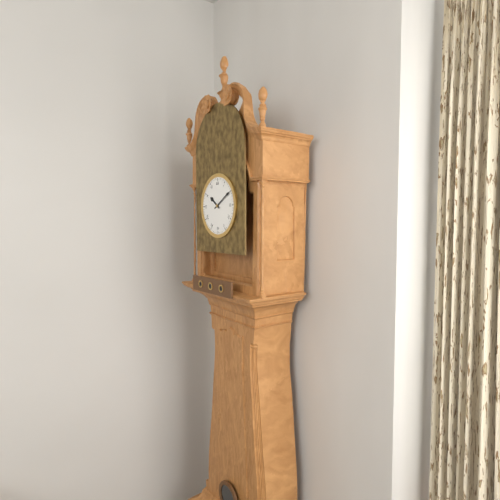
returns {"hour": 10, "minute": 10}
